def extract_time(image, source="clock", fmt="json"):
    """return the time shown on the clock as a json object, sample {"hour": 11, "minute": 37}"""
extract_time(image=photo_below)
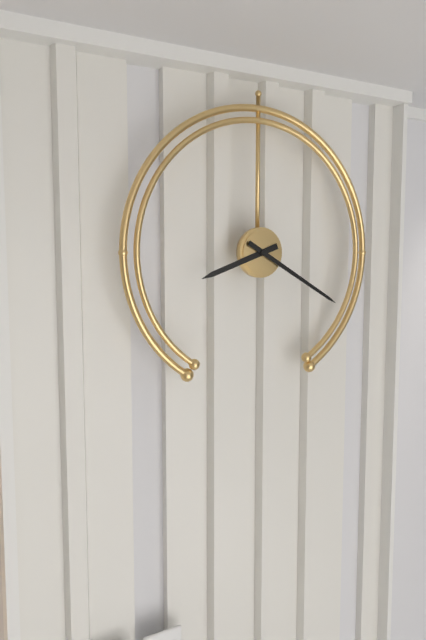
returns {"hour": 8, "minute": 20}
